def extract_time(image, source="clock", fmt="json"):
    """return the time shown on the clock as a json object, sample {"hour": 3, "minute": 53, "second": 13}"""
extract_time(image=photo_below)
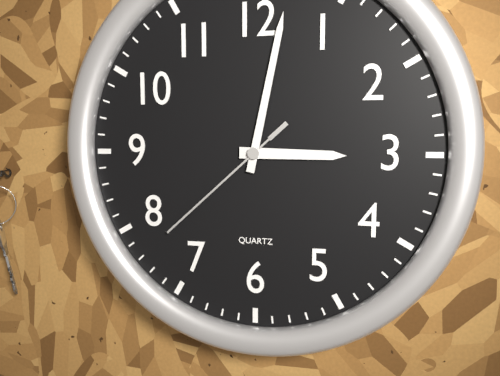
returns {"hour": 3, "minute": 2, "second": 38}
